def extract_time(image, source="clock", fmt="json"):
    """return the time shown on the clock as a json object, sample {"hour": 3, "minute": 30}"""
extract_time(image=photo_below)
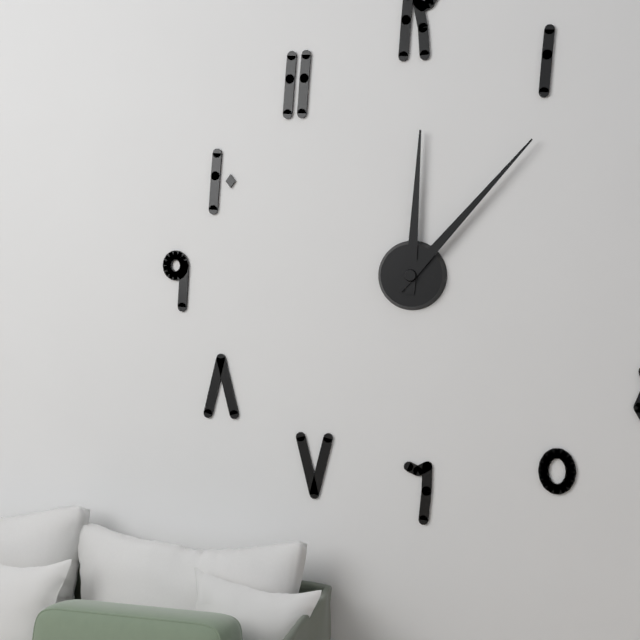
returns {"hour": 12, "minute": 7}
